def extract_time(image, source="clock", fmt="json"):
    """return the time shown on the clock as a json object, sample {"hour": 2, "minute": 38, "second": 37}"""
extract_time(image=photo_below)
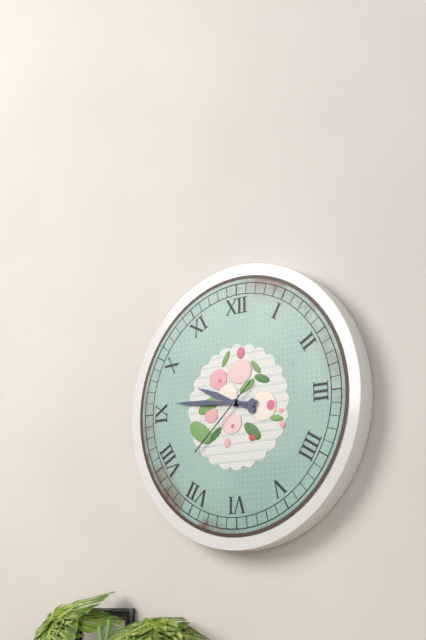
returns {"hour": 9, "minute": 46, "second": 38}
